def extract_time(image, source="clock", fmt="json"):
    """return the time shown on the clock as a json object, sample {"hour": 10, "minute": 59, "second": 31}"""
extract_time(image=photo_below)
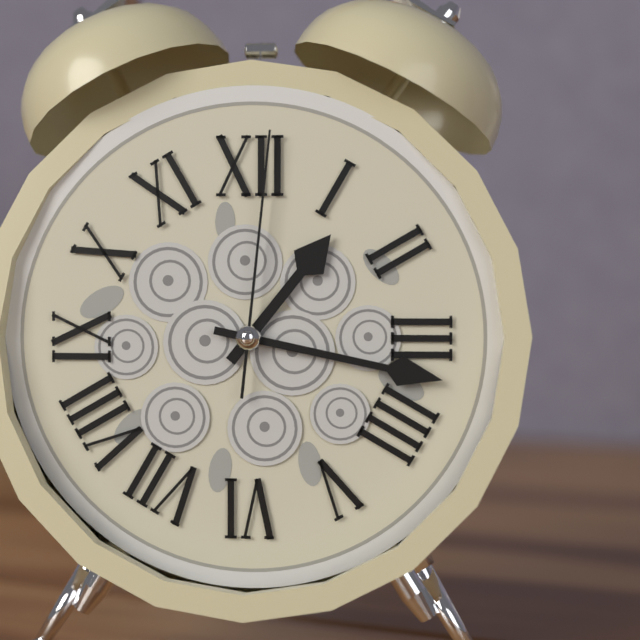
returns {"hour": 1, "minute": 17, "second": 1}
